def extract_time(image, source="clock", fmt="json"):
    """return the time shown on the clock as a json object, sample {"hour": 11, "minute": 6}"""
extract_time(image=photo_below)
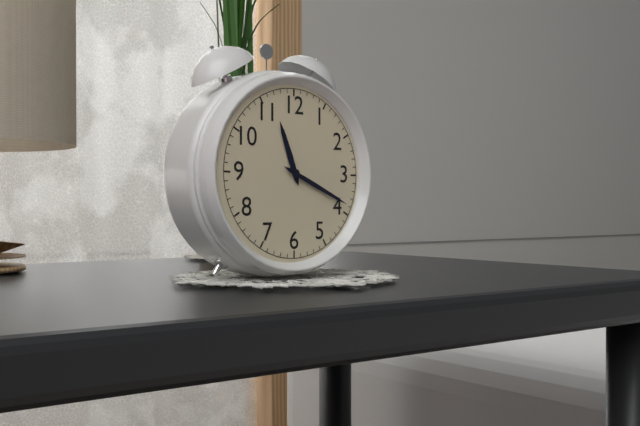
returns {"hour": 11, "minute": 19}
